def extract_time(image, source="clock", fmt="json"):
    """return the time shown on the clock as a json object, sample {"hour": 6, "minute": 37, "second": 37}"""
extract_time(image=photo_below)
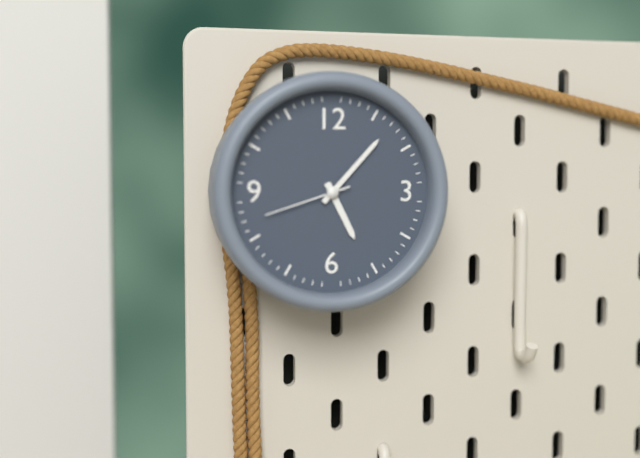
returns {"hour": 5, "minute": 7, "second": 42}
